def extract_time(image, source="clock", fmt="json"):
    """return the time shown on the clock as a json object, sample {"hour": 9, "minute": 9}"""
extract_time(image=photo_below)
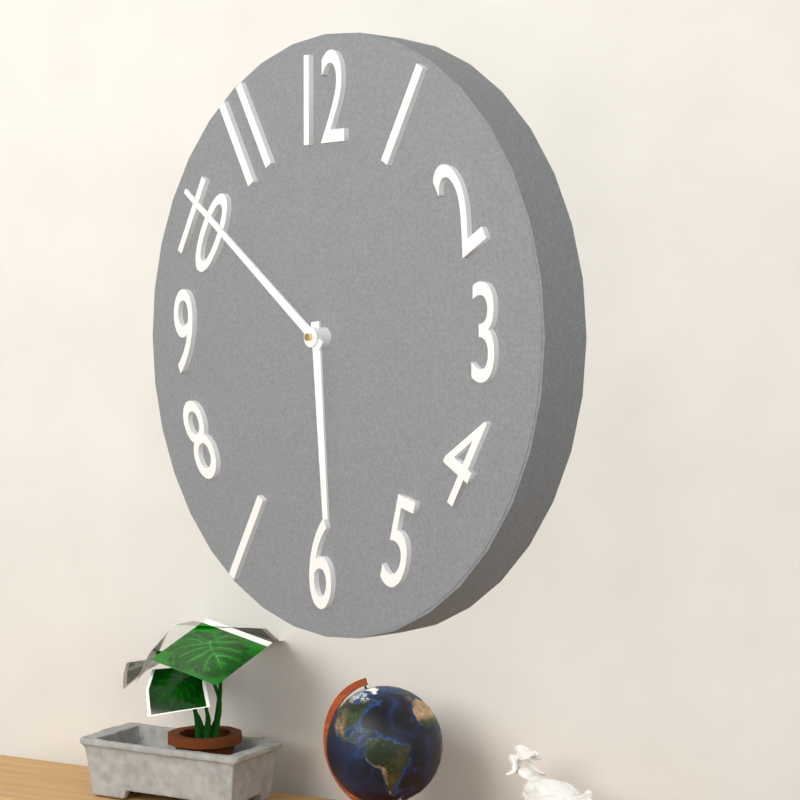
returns {"hour": 5, "minute": 51}
